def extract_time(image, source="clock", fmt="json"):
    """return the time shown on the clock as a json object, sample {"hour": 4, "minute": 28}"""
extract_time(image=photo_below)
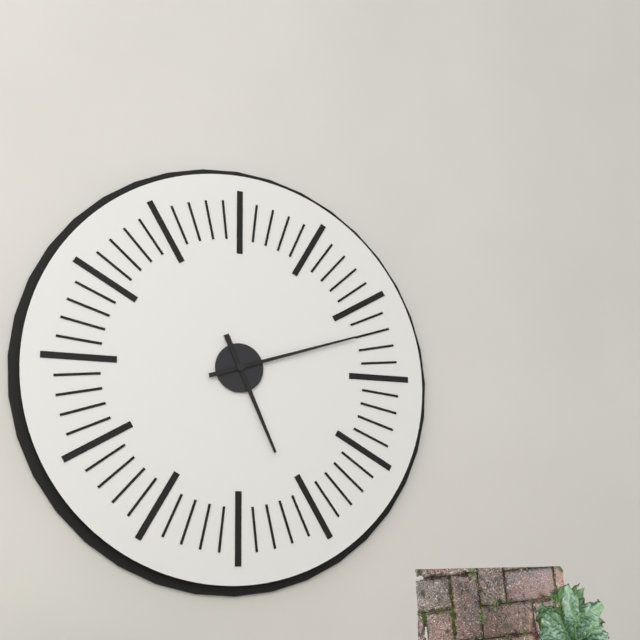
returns {"hour": 5, "minute": 12}
